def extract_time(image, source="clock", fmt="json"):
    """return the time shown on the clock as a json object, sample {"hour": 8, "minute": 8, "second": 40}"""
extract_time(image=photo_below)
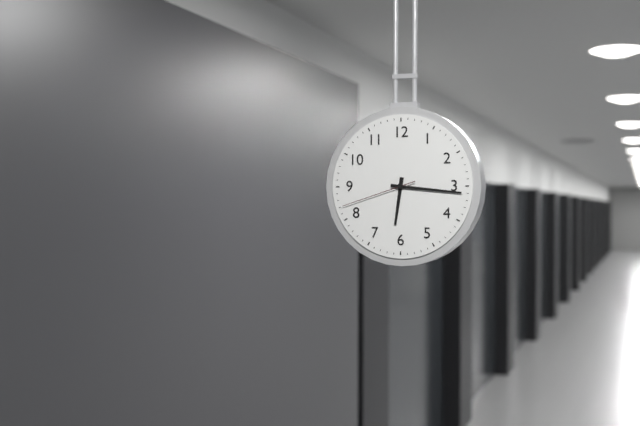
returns {"hour": 6, "minute": 16, "second": 42}
